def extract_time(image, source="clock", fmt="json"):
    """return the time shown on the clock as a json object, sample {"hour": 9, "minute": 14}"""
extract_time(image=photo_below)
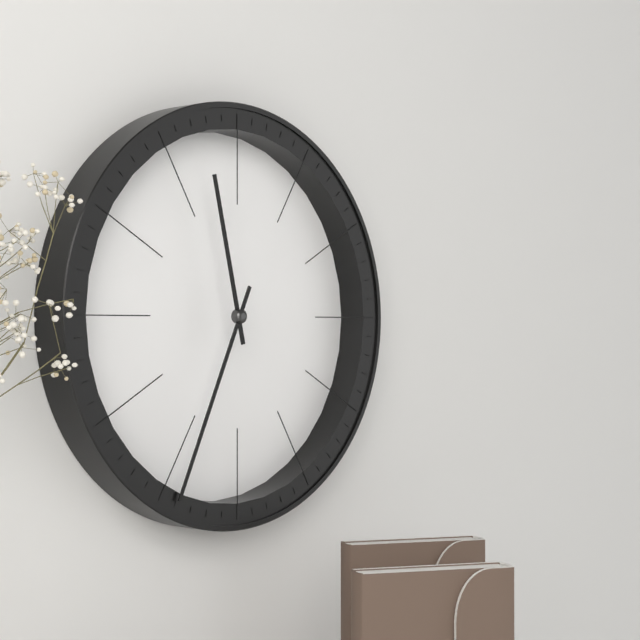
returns {"hour": 11, "minute": 34}
